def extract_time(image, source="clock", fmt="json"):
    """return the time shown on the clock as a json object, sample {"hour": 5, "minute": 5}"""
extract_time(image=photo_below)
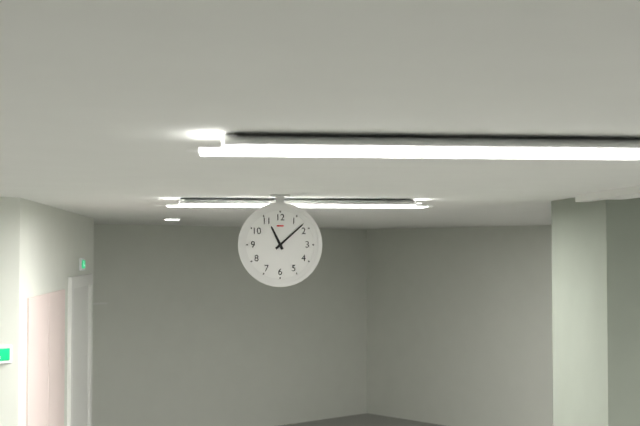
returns {"hour": 11, "minute": 8}
